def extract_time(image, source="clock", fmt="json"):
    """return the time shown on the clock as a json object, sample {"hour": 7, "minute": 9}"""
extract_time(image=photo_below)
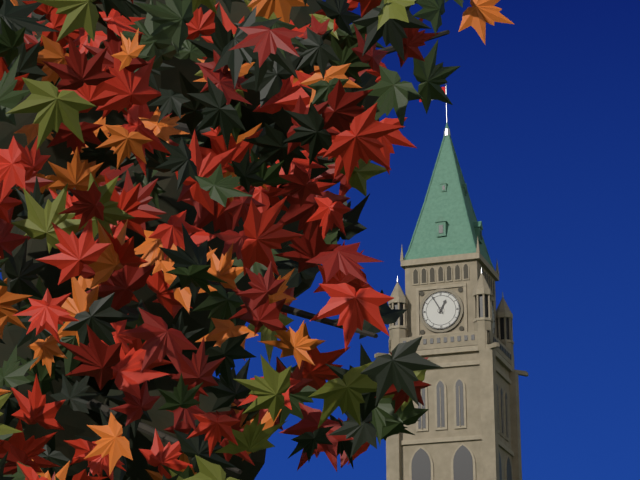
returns {"hour": 12, "minute": 55}
